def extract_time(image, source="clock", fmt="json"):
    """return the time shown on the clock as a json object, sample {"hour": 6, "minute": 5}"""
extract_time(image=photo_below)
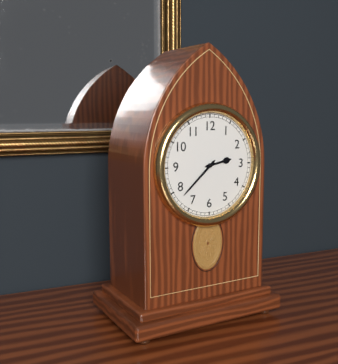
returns {"hour": 2, "minute": 38}
